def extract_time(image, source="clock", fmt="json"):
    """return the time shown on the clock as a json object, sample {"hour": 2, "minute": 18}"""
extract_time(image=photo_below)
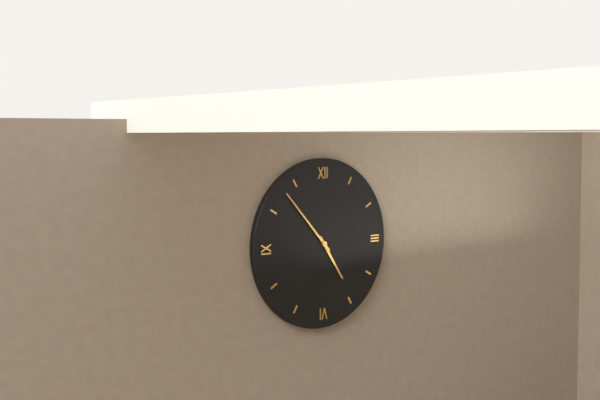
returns {"hour": 4, "minute": 53}
